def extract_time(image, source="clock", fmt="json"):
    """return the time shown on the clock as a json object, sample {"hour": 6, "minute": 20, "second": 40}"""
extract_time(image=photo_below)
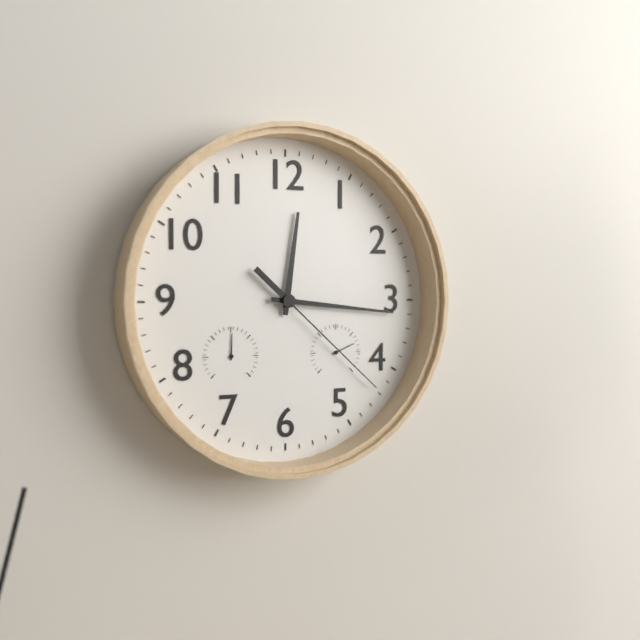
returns {"hour": 12, "minute": 16, "second": 22}
